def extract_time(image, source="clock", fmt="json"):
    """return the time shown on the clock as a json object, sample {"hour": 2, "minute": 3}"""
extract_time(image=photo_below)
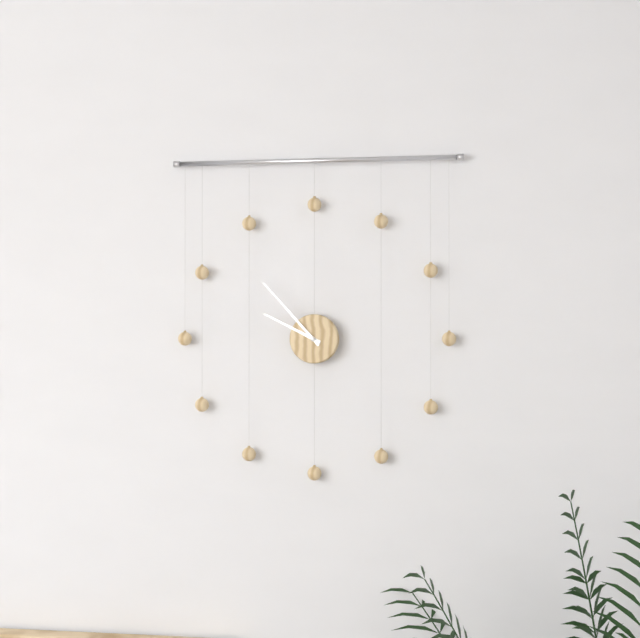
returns {"hour": 9, "minute": 53}
